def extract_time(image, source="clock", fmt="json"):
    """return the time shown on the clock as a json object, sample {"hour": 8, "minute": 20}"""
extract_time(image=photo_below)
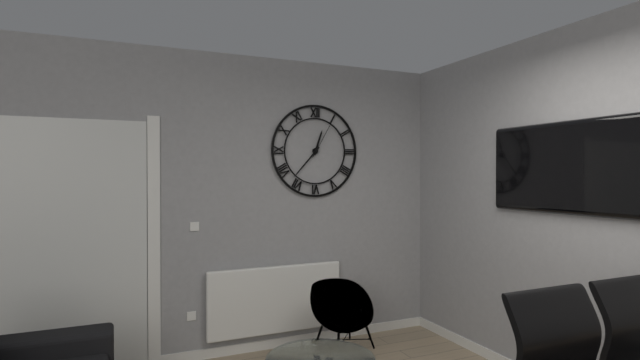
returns {"hour": 12, "minute": 37}
